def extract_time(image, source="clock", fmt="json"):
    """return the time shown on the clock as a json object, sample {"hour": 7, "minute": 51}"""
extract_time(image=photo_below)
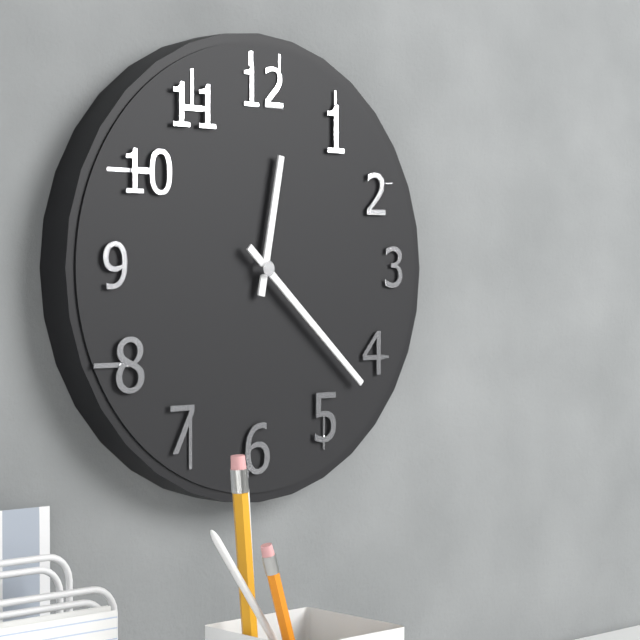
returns {"hour": 12, "minute": 22}
